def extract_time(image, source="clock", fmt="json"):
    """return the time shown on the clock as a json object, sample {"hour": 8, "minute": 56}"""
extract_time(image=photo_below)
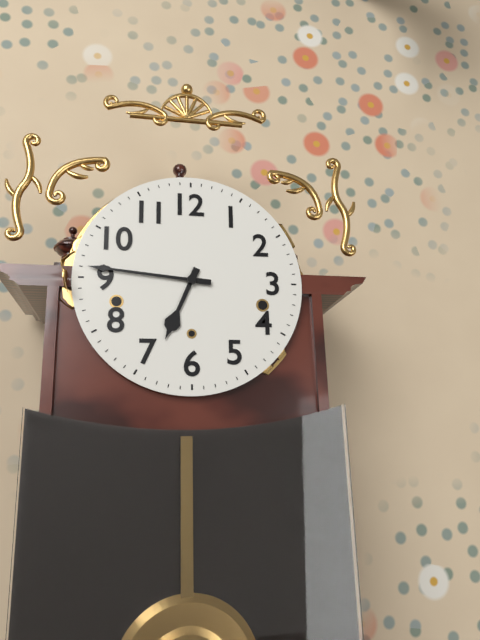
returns {"hour": 6, "minute": 46}
